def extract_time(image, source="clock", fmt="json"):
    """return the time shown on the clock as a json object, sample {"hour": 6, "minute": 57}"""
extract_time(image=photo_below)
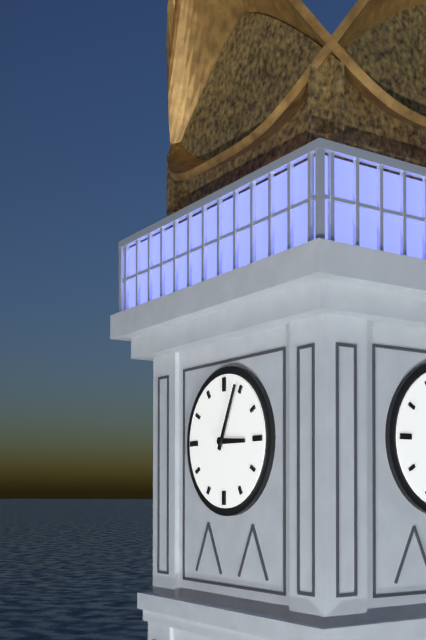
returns {"hour": 3, "minute": 4}
